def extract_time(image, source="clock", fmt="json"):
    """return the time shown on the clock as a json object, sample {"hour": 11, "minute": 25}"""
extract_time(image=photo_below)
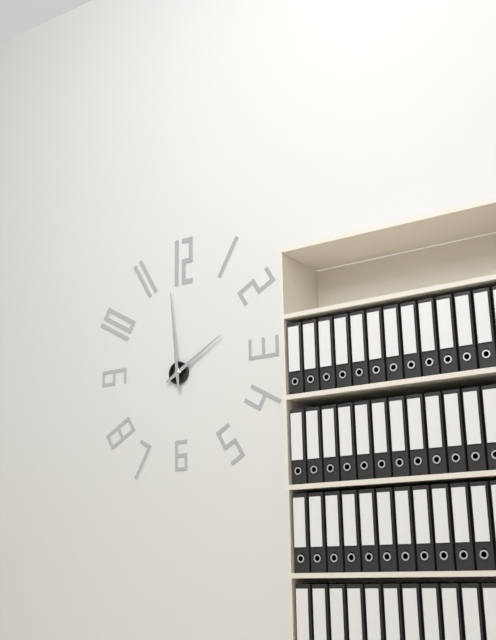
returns {"hour": 1, "minute": 59}
